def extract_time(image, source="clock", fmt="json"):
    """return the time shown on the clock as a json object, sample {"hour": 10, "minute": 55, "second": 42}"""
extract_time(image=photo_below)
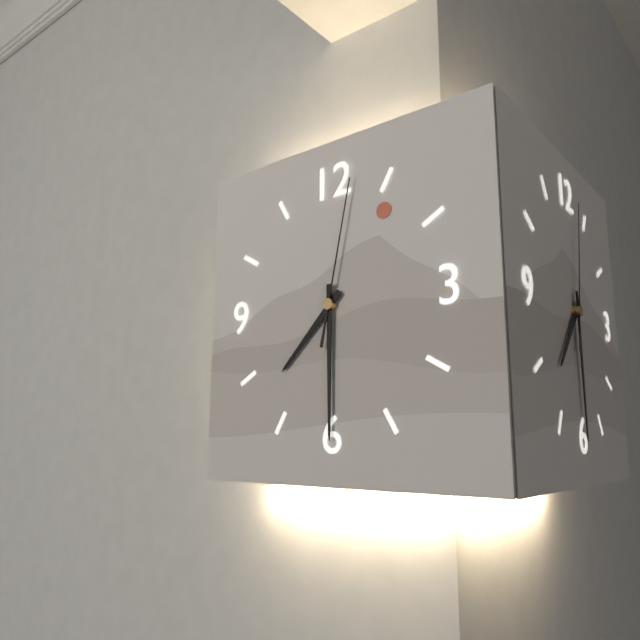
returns {"hour": 7, "minute": 30, "second": 2}
